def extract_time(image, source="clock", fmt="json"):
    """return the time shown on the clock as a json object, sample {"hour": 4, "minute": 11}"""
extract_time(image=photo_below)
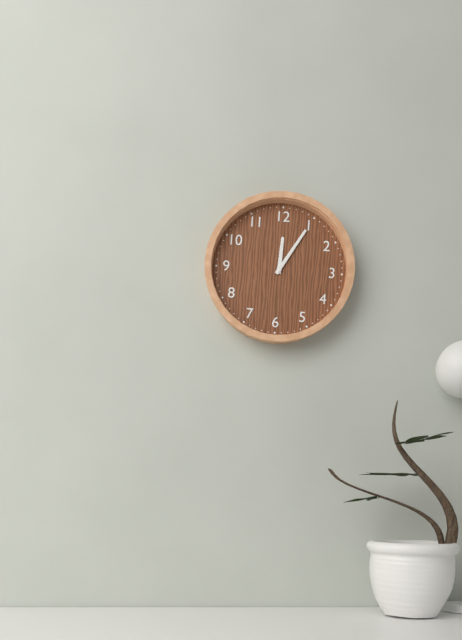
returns {"hour": 12, "minute": 5}
